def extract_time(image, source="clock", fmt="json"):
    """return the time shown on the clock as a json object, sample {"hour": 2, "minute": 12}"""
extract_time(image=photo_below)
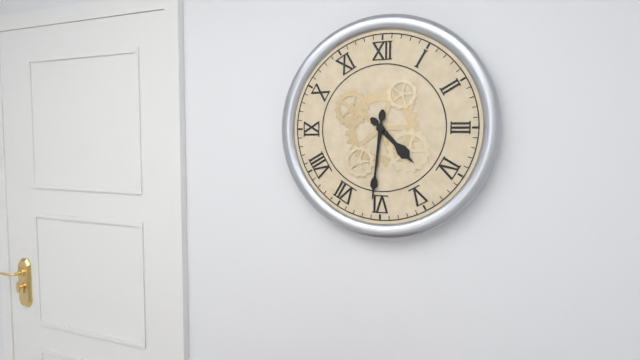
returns {"hour": 4, "minute": 31}
